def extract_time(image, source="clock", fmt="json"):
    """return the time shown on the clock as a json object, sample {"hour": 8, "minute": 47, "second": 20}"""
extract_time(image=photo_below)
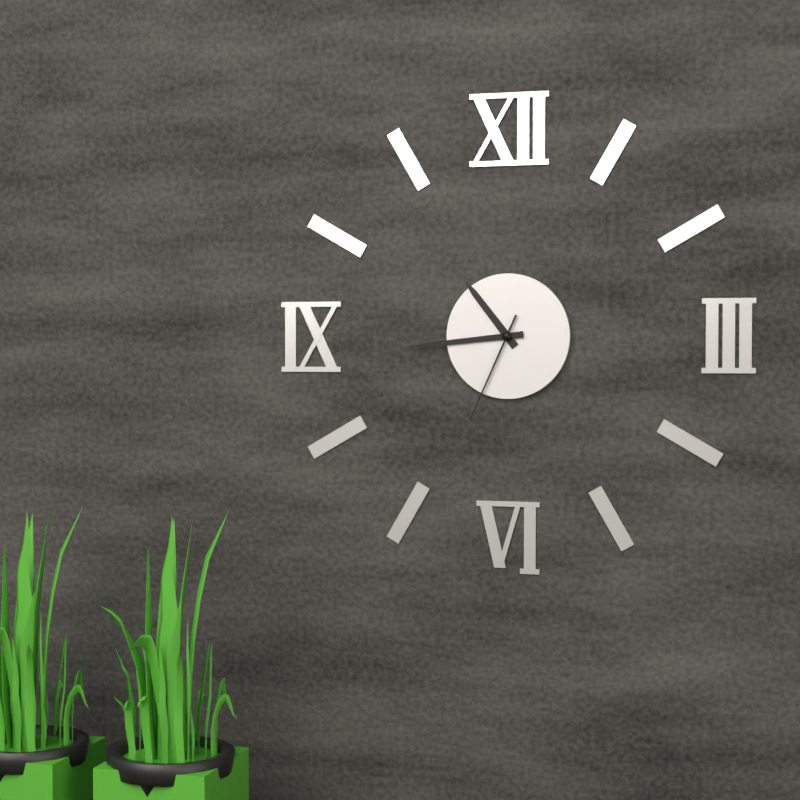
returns {"hour": 10, "minute": 44, "second": 34}
